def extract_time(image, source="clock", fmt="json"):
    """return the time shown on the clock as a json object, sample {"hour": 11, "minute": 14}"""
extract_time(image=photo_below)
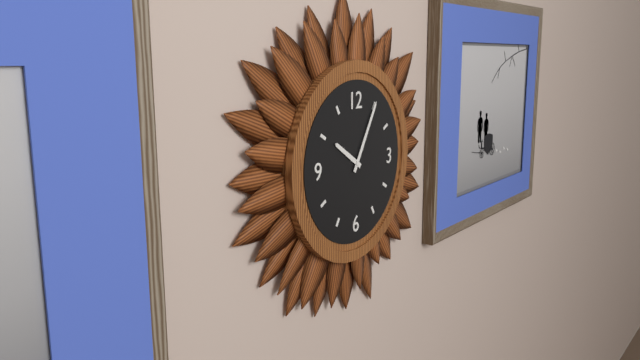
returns {"hour": 10, "minute": 5}
